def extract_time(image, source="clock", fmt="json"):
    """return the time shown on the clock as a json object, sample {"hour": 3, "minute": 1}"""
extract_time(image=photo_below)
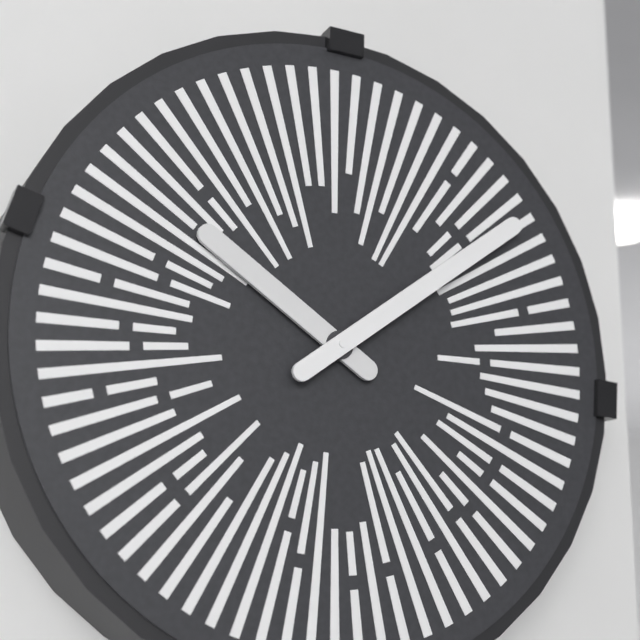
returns {"hour": 10, "minute": 9}
